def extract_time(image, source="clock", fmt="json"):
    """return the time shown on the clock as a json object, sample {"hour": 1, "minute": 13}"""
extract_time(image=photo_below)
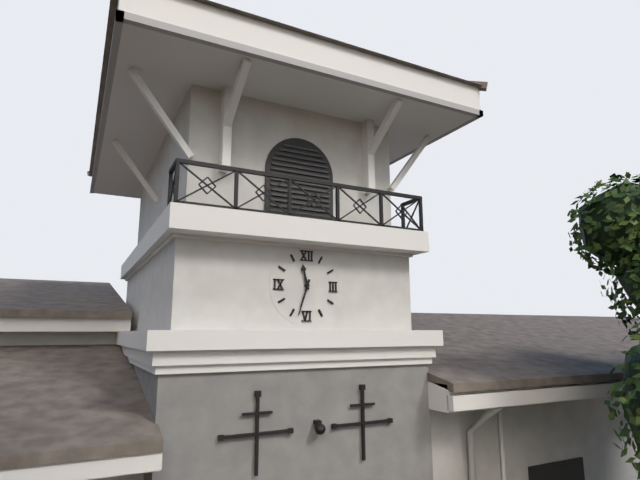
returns {"hour": 11, "minute": 33}
